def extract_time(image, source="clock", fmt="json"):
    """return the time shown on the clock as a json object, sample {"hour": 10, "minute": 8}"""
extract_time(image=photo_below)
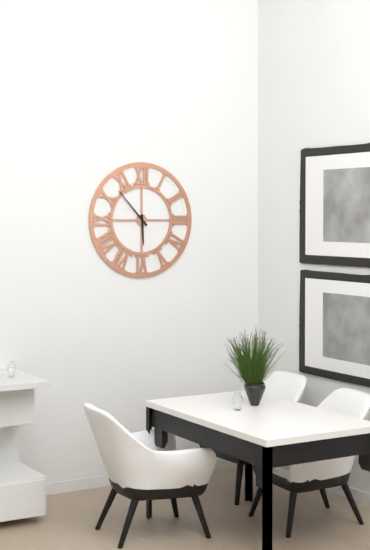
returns {"hour": 5, "minute": 53}
